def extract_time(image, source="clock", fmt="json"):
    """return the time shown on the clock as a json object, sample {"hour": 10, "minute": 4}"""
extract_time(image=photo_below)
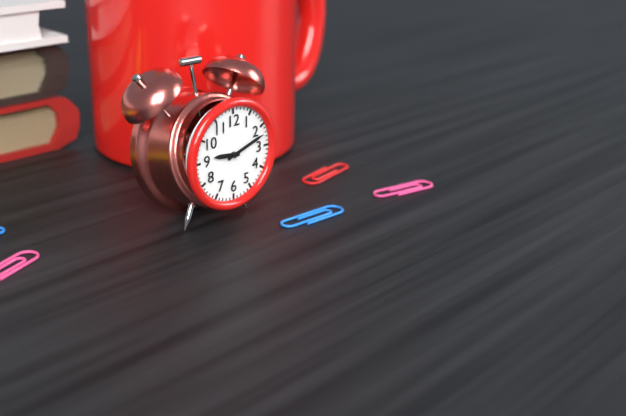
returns {"hour": 9, "minute": 12}
